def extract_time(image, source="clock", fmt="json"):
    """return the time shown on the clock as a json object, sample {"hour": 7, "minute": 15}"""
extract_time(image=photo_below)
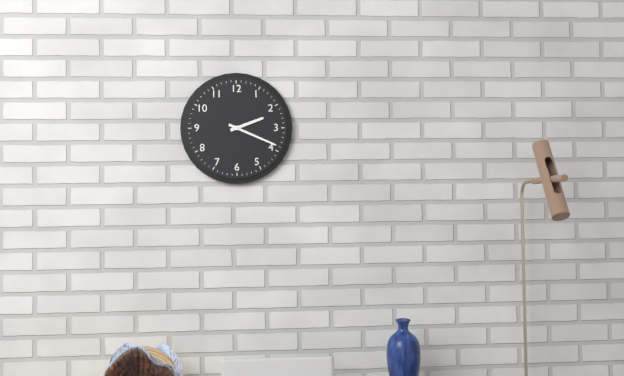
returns {"hour": 2, "minute": 19}
